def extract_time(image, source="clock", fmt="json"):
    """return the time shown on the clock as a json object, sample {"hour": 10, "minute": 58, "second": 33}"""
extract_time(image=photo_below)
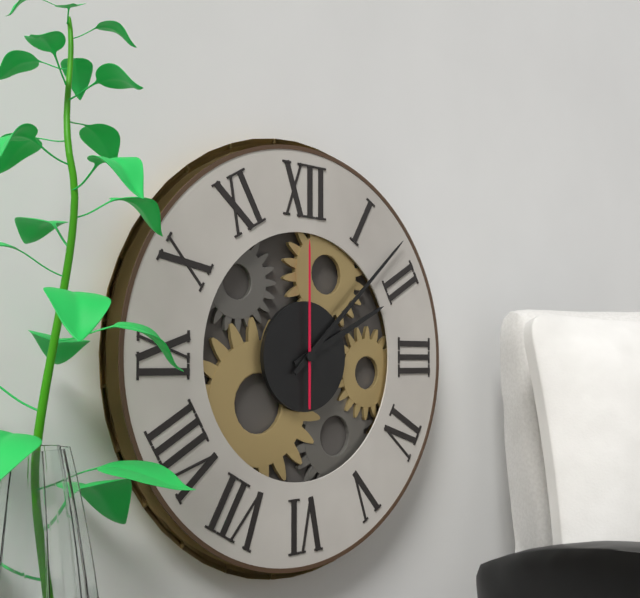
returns {"hour": 2, "minute": 8, "second": 0}
